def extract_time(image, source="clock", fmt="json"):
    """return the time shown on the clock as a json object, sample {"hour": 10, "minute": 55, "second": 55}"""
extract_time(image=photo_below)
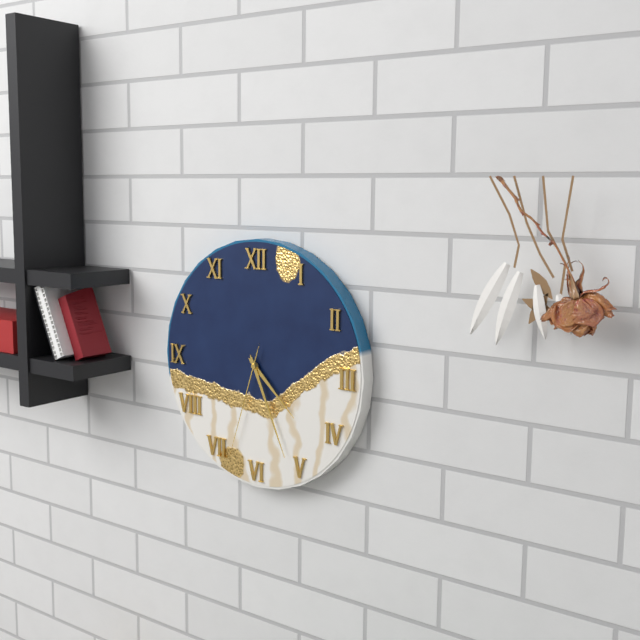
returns {"hour": 4, "minute": 26, "second": 33}
